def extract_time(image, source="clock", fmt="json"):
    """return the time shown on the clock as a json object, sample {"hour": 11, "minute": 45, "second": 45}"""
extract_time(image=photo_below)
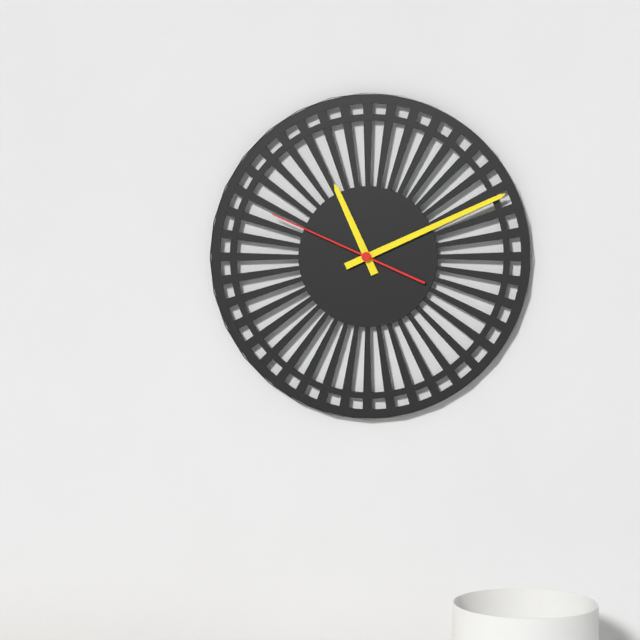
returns {"hour": 11, "minute": 11, "second": 49}
